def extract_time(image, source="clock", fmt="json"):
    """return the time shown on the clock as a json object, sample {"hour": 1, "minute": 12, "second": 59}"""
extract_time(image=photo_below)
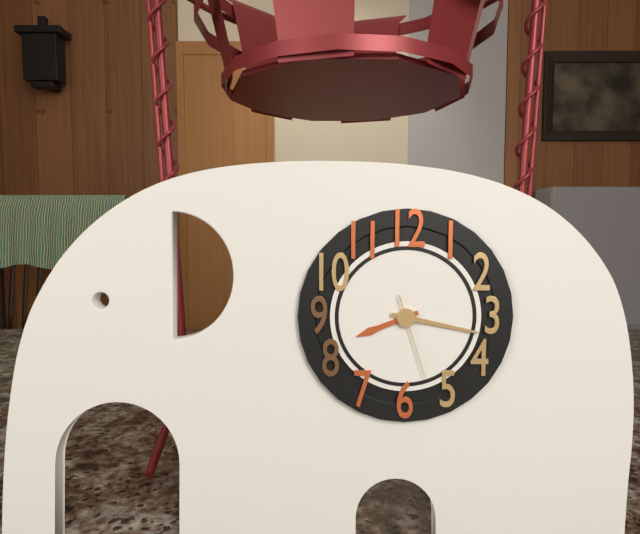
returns {"hour": 8, "minute": 17, "second": 27}
